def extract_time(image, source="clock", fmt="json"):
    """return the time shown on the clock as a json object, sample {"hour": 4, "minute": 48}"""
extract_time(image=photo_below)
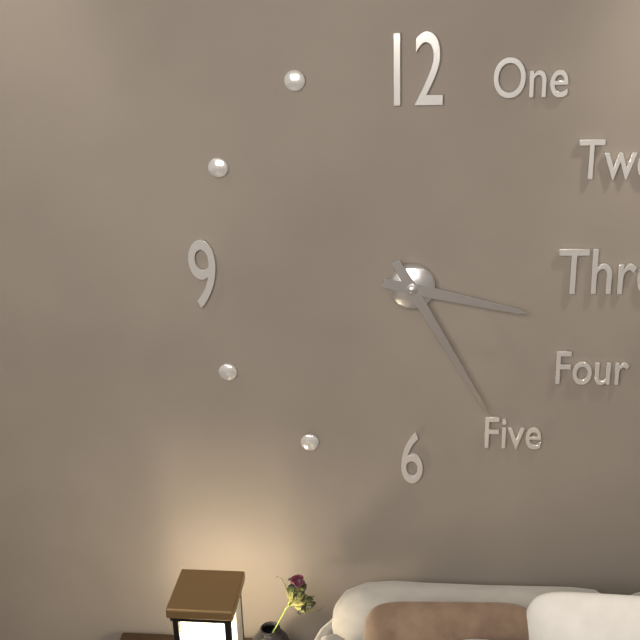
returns {"hour": 3, "minute": 25}
